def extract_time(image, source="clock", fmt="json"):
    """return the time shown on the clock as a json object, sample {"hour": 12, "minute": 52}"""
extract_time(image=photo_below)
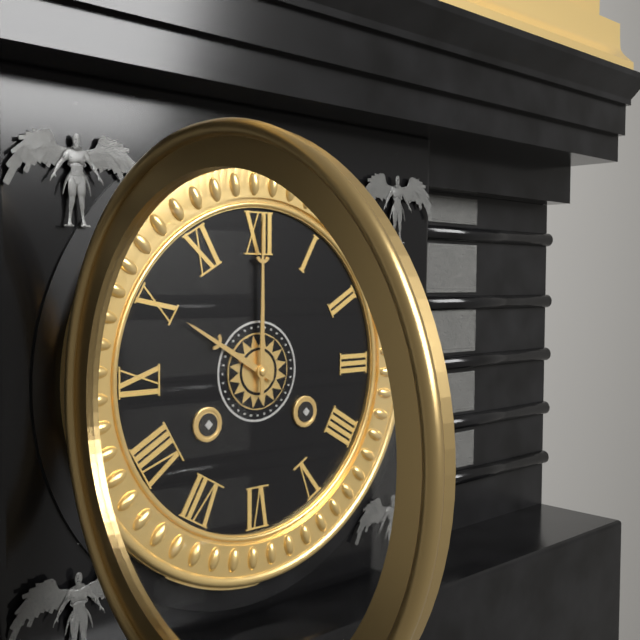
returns {"hour": 10, "minute": 0}
